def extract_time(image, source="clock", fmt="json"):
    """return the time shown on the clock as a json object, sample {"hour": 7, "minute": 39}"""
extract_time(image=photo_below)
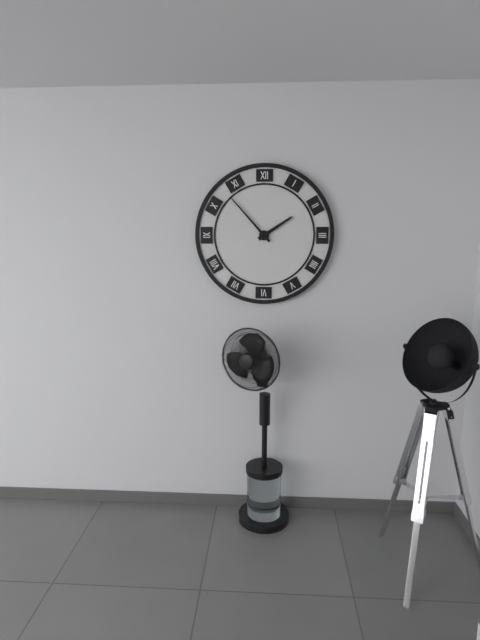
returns {"hour": 1, "minute": 53}
